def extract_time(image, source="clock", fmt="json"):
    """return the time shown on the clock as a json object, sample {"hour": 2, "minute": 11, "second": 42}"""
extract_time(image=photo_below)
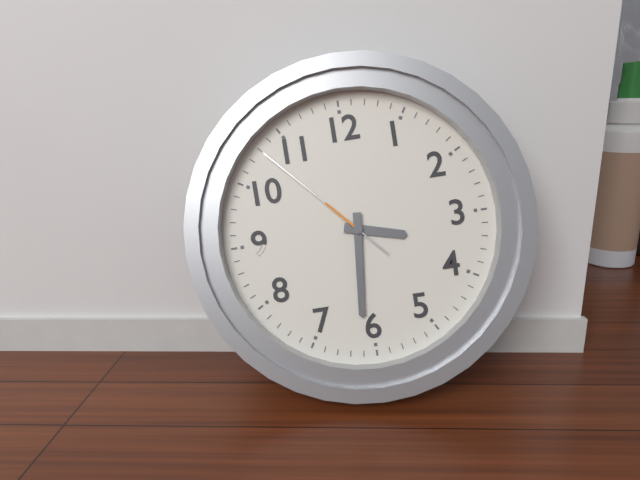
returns {"hour": 3, "minute": 31, "second": 53}
